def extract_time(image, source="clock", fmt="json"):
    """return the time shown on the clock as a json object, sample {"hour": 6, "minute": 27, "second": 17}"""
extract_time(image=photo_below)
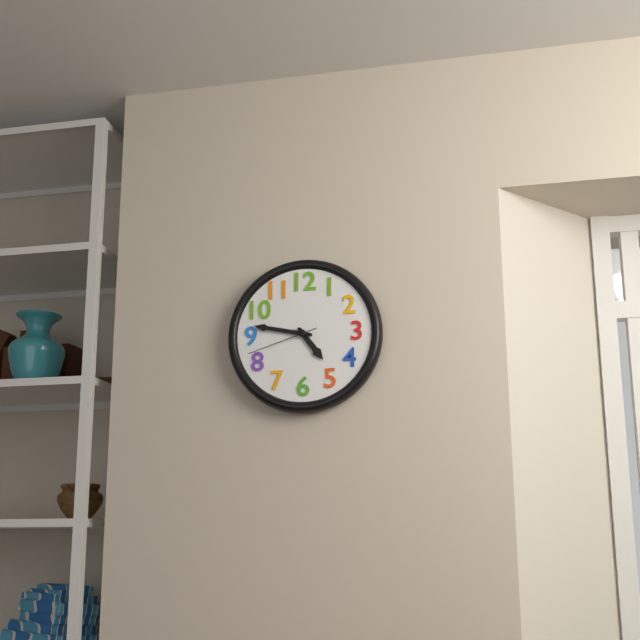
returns {"hour": 4, "minute": 47, "second": 42}
